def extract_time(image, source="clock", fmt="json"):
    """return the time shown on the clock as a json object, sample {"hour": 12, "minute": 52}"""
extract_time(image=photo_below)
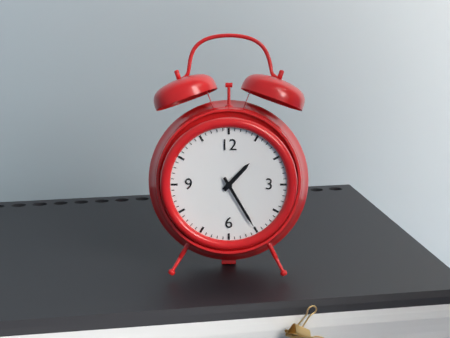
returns {"hour": 1, "minute": 25}
